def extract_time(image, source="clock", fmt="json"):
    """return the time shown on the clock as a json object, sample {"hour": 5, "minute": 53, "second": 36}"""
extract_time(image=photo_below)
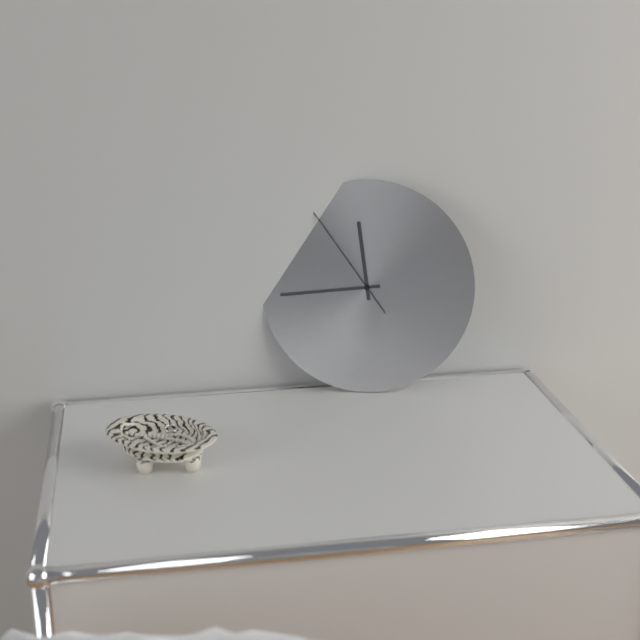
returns {"hour": 11, "minute": 44, "second": 54}
